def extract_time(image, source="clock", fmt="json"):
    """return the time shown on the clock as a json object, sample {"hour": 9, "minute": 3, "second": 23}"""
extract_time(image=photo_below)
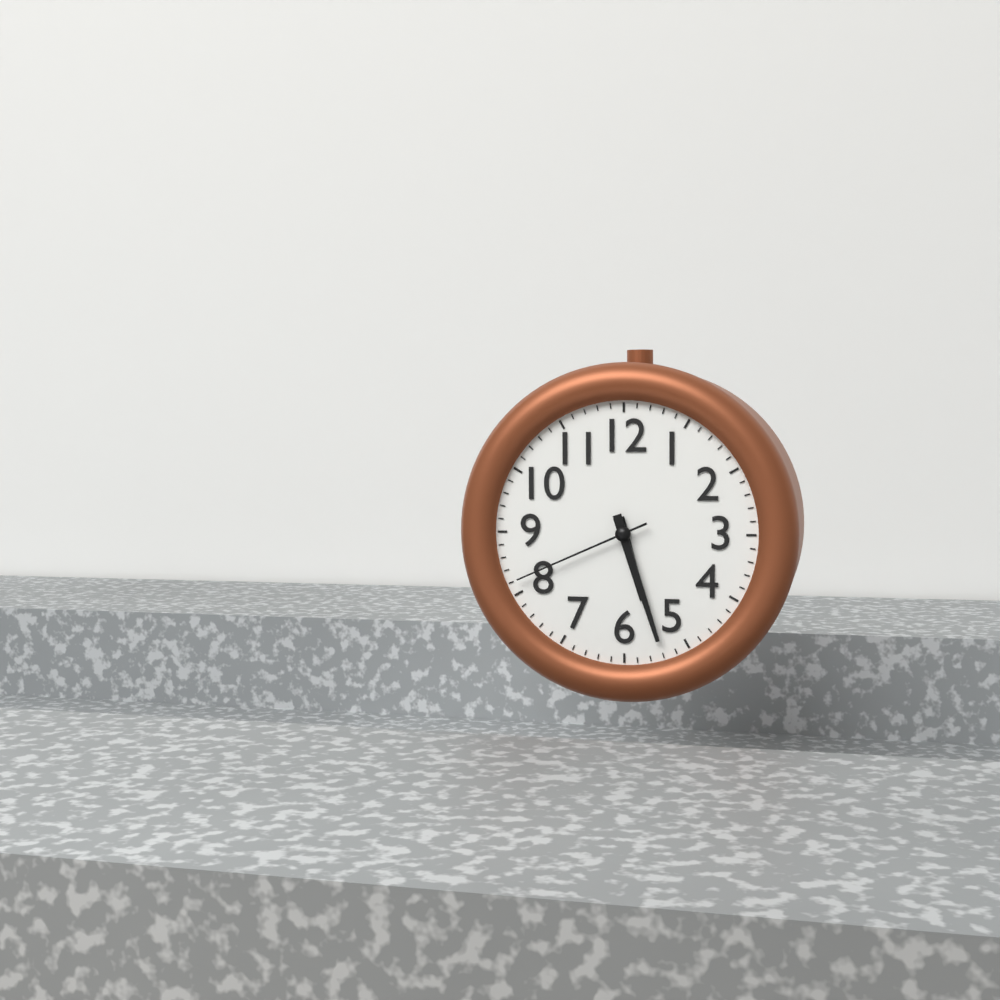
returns {"hour": 5, "minute": 27, "second": 41}
